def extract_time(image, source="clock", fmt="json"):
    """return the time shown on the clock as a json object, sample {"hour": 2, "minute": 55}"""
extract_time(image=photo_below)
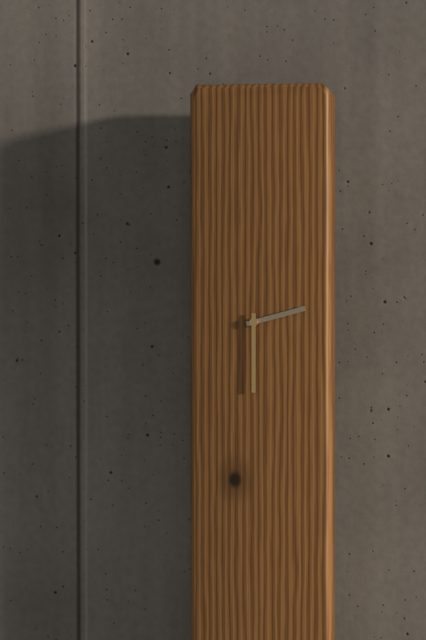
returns {"hour": 2, "minute": 30}
